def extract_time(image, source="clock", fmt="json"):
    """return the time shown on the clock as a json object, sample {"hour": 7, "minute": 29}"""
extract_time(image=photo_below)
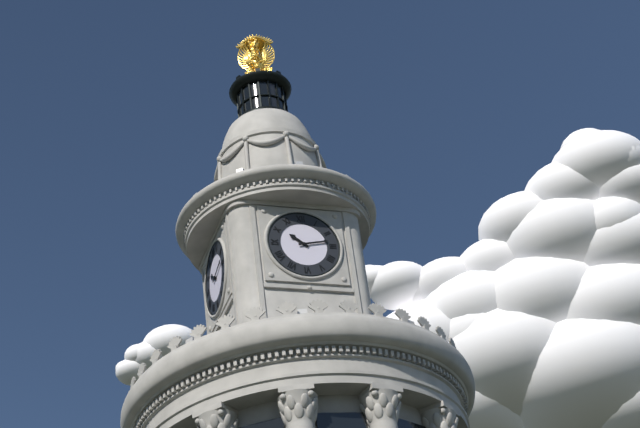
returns {"hour": 10, "minute": 13}
